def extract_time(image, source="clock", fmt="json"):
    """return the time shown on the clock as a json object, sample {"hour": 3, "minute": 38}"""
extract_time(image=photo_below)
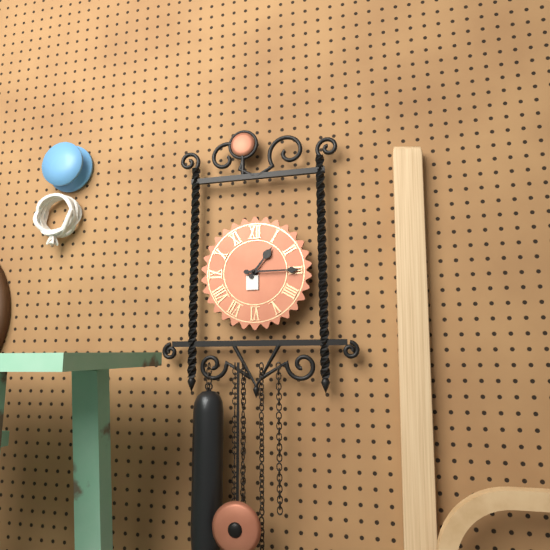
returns {"hour": 1, "minute": 15}
